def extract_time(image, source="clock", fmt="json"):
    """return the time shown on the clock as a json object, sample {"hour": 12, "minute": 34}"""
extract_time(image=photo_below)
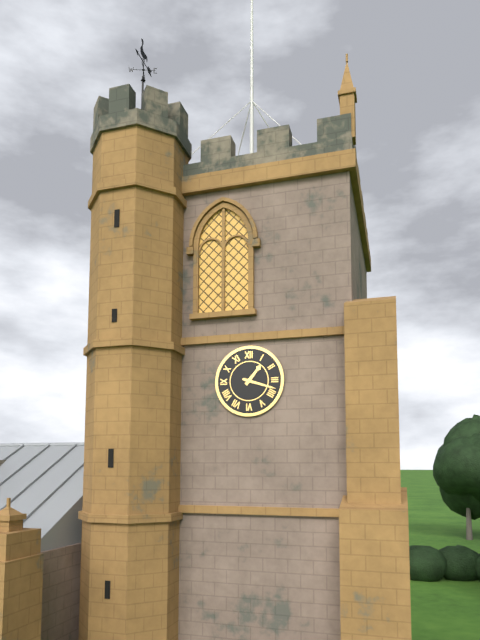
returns {"hour": 1, "minute": 18}
